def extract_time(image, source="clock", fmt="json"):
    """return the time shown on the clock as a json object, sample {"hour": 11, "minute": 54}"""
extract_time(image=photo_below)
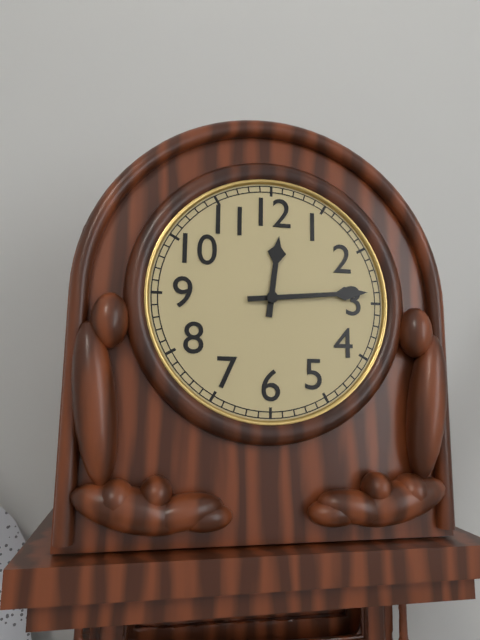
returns {"hour": 12, "minute": 14}
